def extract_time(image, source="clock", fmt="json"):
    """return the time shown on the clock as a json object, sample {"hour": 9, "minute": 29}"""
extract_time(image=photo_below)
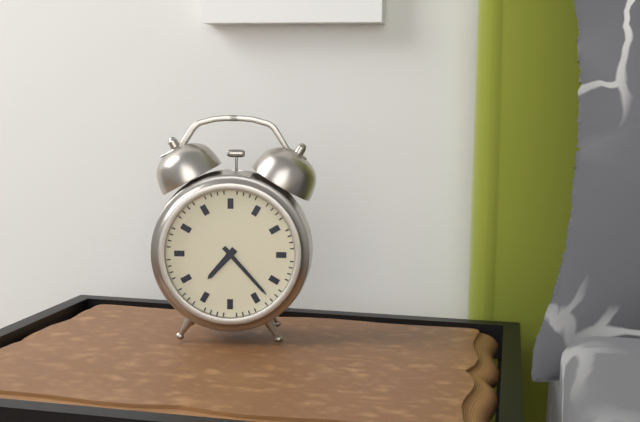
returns {"hour": 7, "minute": 23}
